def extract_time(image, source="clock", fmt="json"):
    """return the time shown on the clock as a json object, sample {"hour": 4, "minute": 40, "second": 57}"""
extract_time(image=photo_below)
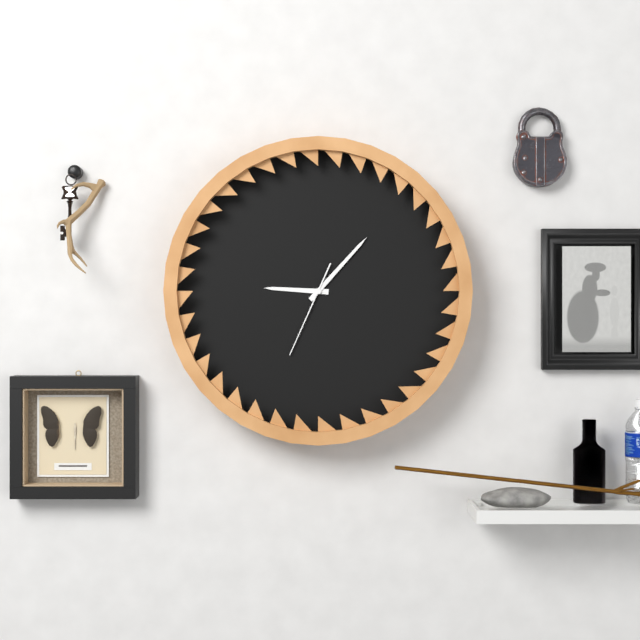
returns {"hour": 9, "minute": 7, "second": 34}
